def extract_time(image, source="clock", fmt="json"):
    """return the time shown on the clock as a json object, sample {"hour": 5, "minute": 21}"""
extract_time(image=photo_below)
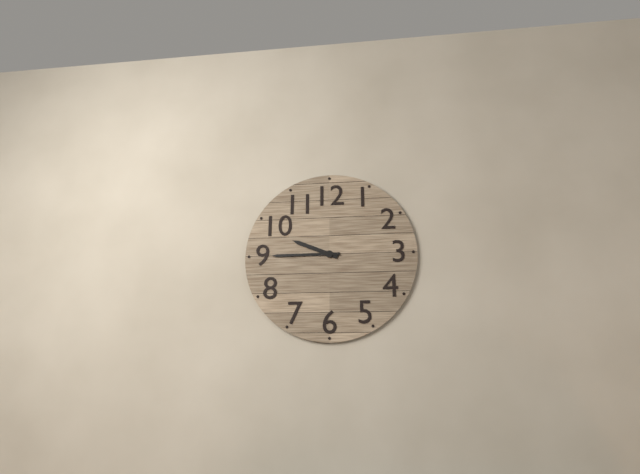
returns {"hour": 9, "minute": 45}
